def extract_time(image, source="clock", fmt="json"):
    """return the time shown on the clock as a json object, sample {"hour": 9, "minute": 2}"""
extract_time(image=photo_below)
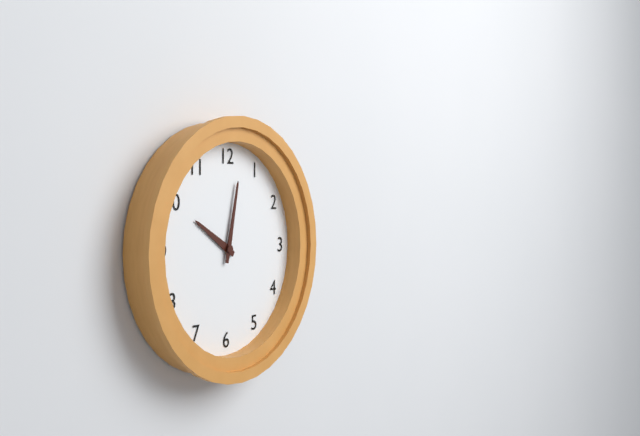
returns {"hour": 10, "minute": 2}
